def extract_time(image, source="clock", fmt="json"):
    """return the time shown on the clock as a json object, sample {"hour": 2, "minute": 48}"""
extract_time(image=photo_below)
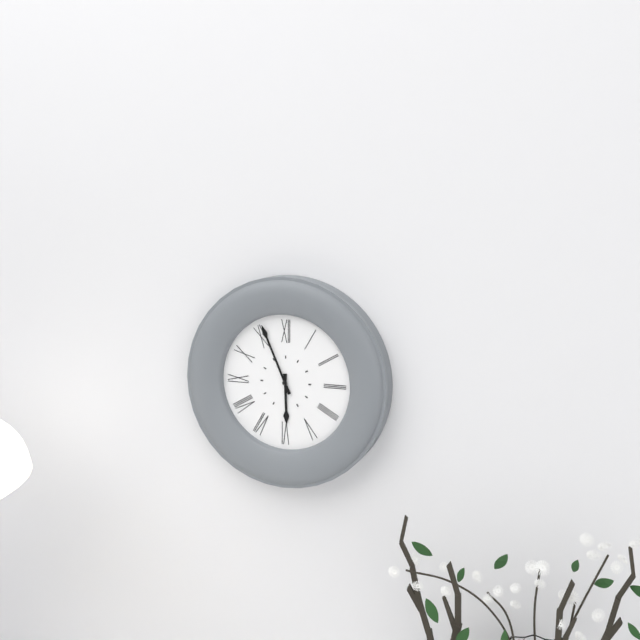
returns {"hour": 5, "minute": 56}
